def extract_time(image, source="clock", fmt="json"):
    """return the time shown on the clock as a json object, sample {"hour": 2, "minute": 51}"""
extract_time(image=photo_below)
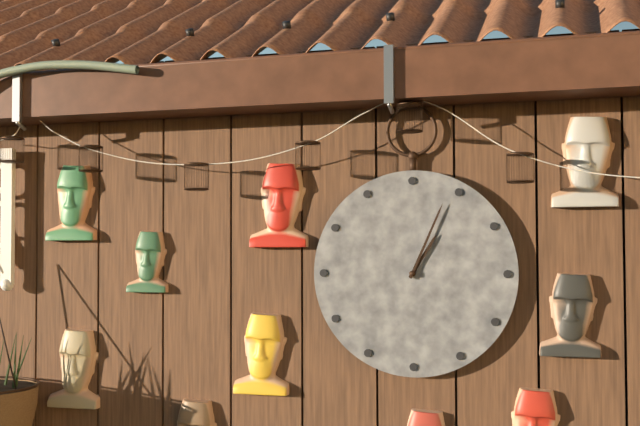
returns {"hour": 1, "minute": 4}
